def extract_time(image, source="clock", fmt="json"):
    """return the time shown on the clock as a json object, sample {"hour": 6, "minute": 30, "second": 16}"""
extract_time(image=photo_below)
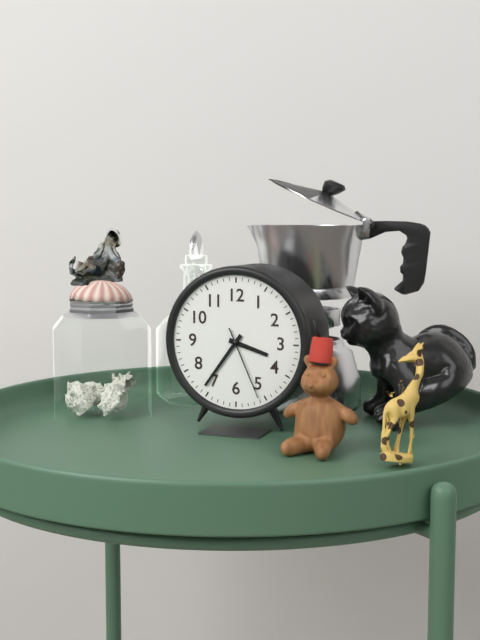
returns {"hour": 3, "minute": 36, "second": 26}
